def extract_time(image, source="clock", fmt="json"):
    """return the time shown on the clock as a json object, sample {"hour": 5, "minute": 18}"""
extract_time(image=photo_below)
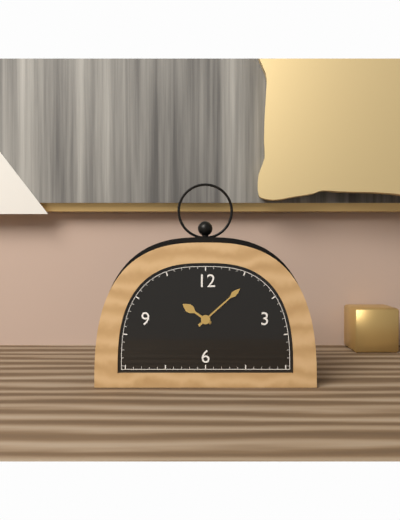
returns {"hour": 10, "minute": 8}
